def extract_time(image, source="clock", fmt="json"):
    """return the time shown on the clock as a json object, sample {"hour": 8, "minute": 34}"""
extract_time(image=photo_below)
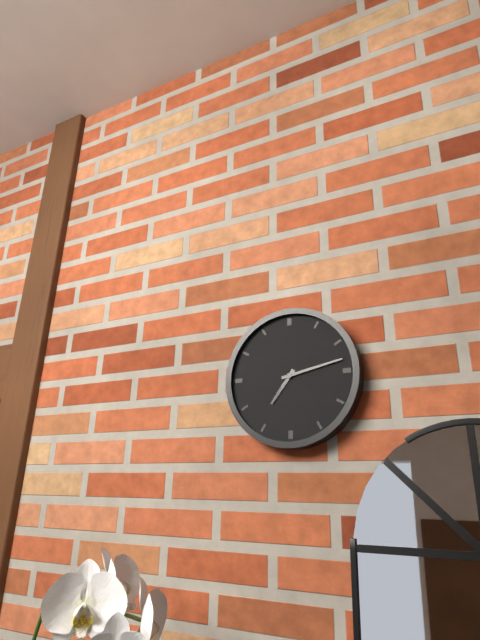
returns {"hour": 7, "minute": 13}
